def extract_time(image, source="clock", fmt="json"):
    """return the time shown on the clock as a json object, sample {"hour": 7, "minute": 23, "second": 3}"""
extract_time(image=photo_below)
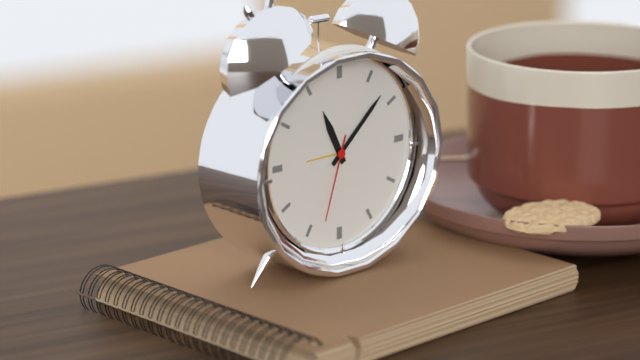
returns {"hour": 11, "minute": 8, "second": 33}
